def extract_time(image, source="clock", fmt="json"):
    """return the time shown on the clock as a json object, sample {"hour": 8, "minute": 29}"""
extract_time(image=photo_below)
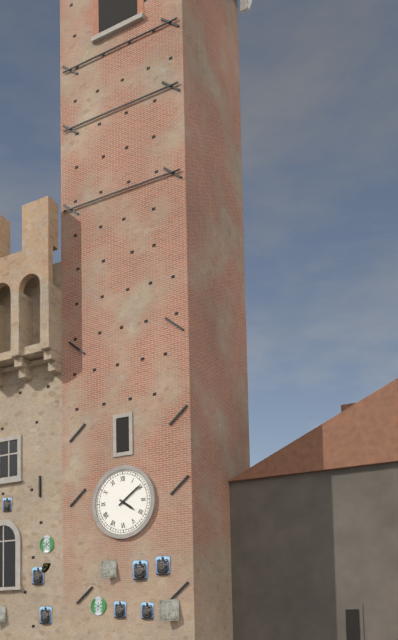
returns {"hour": 4, "minute": 9}
